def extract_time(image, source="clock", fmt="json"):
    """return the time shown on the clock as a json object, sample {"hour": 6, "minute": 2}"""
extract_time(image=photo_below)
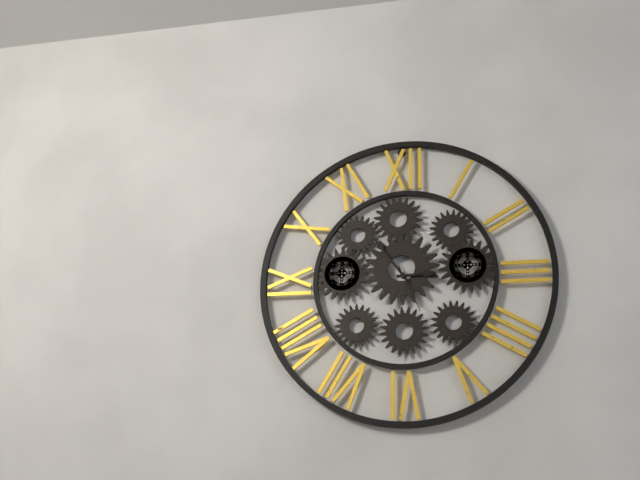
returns {"hour": 2, "minute": 54}
